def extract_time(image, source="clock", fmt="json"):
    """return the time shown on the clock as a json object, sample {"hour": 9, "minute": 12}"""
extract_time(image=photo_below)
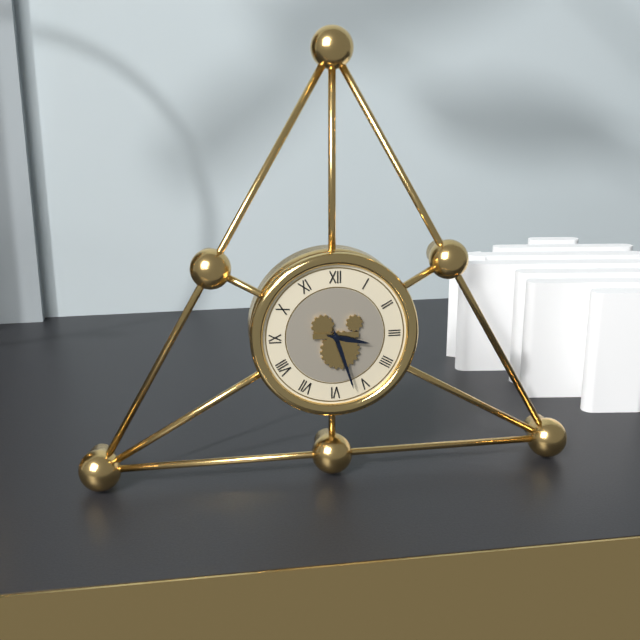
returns {"hour": 3, "minute": 27}
